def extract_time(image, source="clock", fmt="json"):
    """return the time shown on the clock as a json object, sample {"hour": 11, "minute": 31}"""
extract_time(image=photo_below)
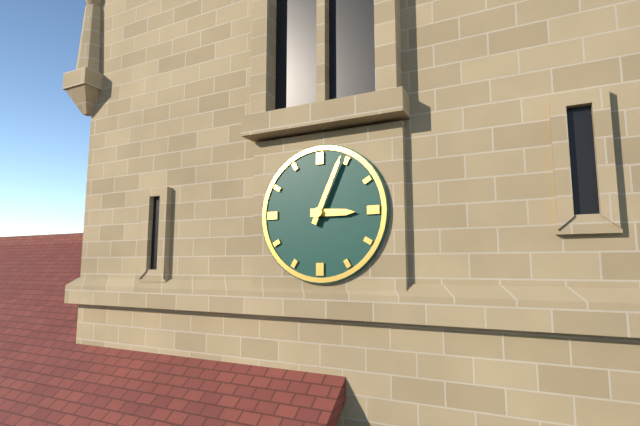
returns {"hour": 3, "minute": 4}
